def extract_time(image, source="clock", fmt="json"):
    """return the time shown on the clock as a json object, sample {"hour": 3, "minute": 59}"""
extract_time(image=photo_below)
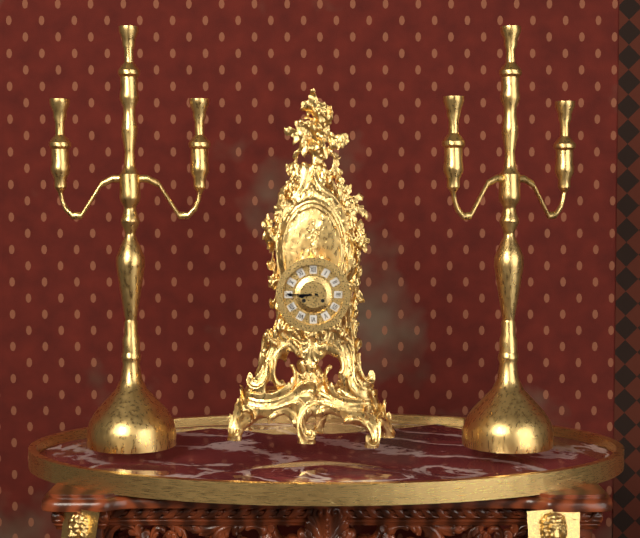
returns {"hour": 8, "minute": 45}
